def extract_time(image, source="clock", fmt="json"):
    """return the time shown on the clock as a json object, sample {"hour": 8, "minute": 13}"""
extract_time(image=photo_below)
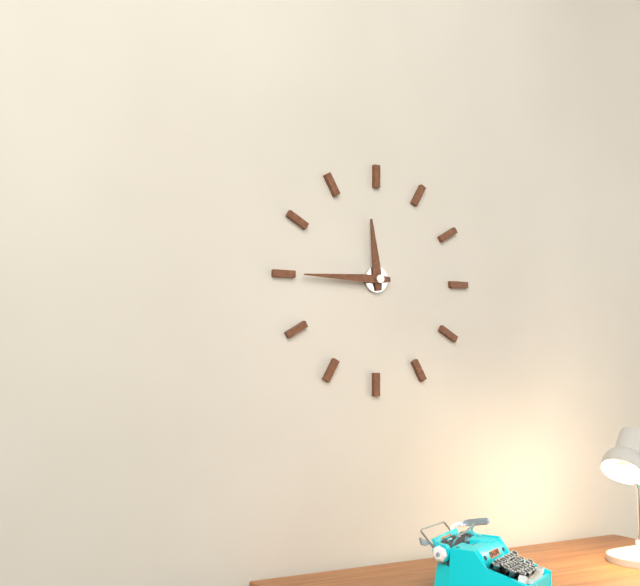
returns {"hour": 11, "minute": 45}
